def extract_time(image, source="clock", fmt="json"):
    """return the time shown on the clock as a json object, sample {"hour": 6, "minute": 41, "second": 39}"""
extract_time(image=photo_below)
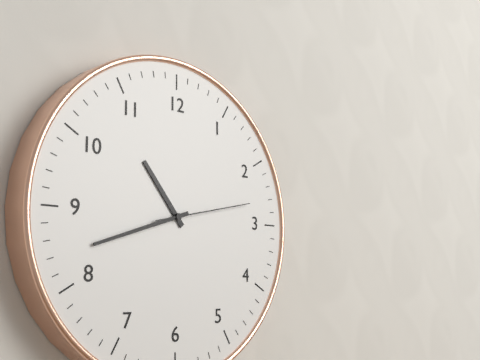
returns {"hour": 10, "minute": 42, "second": 13}
